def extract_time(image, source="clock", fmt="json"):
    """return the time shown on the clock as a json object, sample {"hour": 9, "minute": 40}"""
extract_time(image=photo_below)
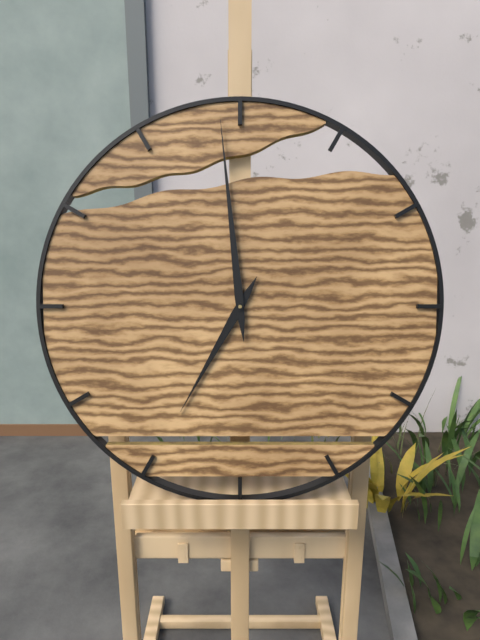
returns {"hour": 6, "minute": 59}
